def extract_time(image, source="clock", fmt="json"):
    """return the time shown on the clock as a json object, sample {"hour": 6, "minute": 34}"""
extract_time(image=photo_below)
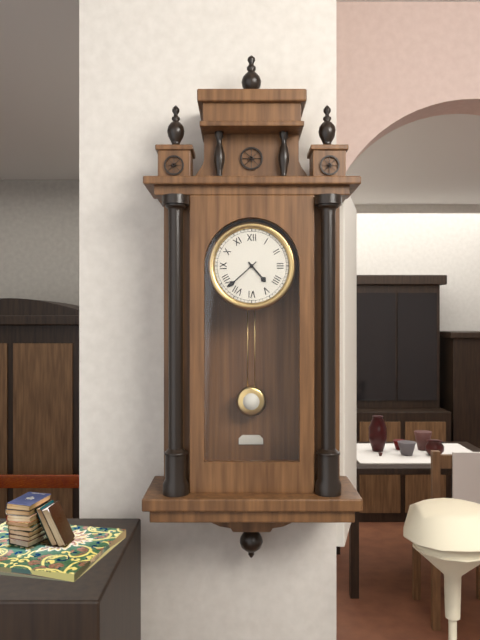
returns {"hour": 4, "minute": 38}
